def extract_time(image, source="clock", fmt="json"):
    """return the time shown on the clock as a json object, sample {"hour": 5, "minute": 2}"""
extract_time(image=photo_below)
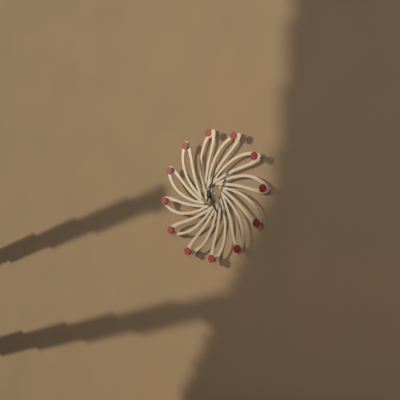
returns {"hour": 5, "minute": 3}
